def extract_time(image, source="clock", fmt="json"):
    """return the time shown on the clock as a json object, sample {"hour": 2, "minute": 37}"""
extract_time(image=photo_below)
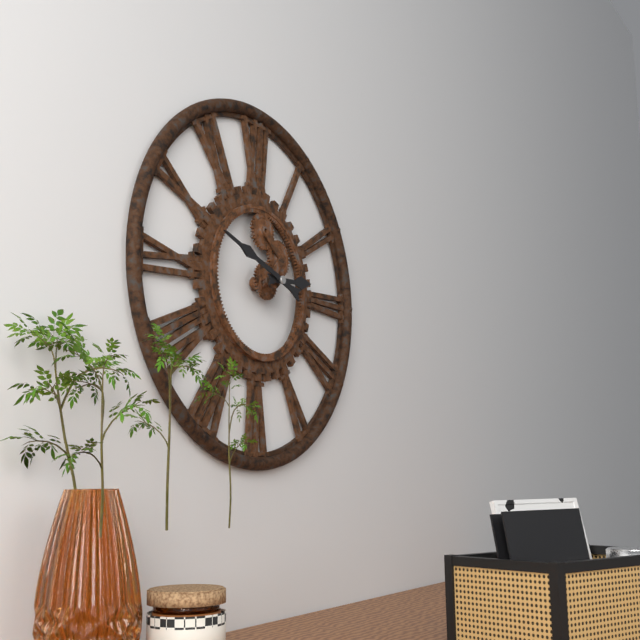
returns {"hour": 2, "minute": 48}
